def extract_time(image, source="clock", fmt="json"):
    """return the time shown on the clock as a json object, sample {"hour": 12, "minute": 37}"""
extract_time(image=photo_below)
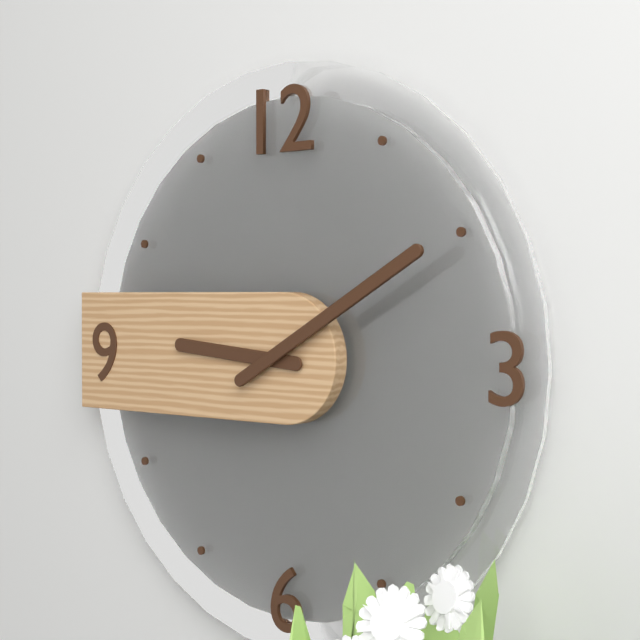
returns {"hour": 9, "minute": 10}
